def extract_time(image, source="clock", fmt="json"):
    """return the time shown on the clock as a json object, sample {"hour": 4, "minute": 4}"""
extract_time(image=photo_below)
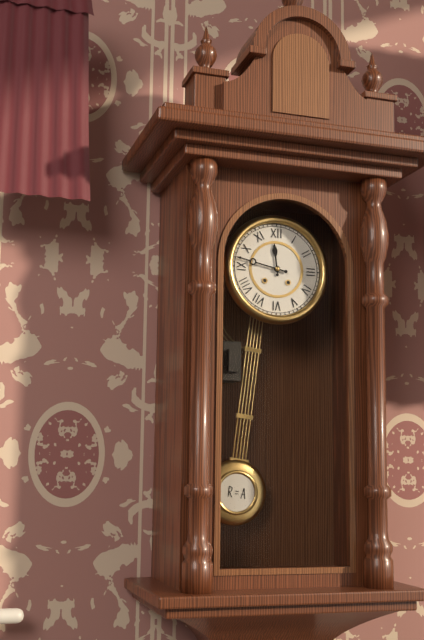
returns {"hour": 11, "minute": 47}
